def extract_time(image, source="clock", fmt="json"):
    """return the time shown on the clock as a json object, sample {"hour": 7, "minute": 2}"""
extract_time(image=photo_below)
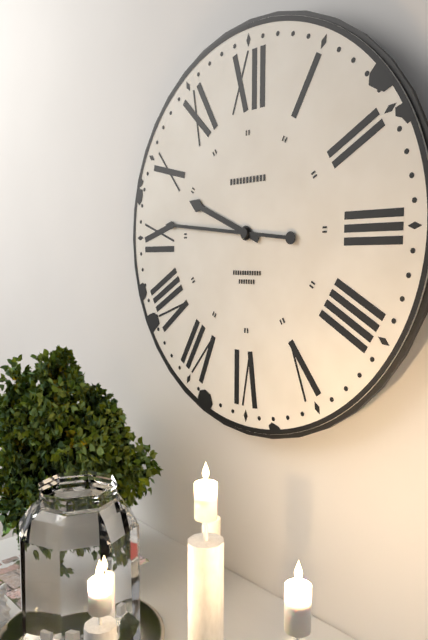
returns {"hour": 9, "minute": 46}
